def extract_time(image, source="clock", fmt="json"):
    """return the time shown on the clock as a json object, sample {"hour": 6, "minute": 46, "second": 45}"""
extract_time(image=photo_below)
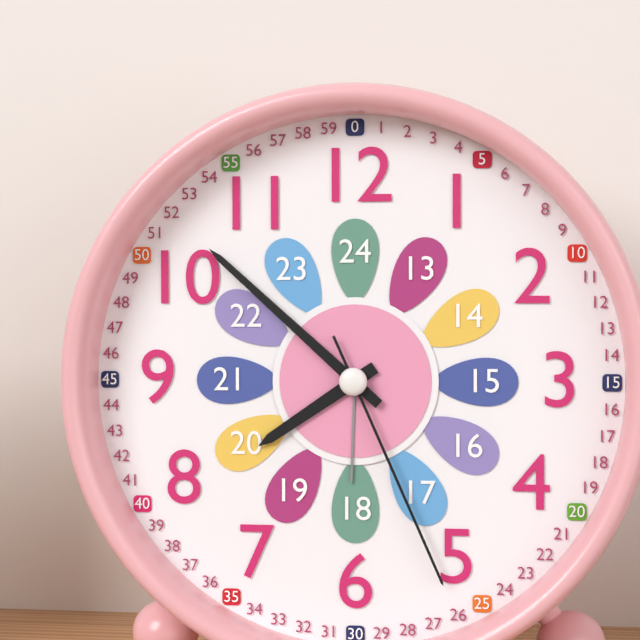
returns {"hour": 7, "minute": 52, "second": 26}
